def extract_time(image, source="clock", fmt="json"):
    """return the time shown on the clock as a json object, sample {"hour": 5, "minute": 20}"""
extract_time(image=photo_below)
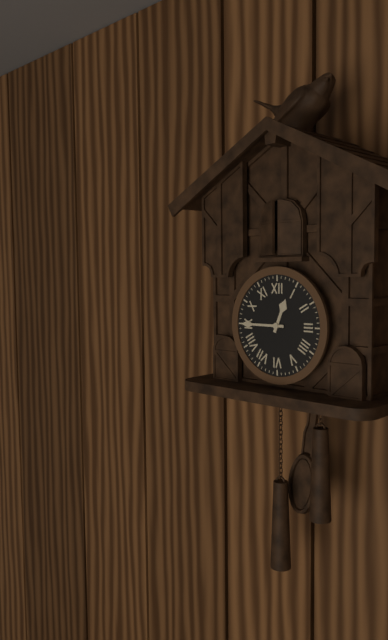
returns {"hour": 12, "minute": 45}
